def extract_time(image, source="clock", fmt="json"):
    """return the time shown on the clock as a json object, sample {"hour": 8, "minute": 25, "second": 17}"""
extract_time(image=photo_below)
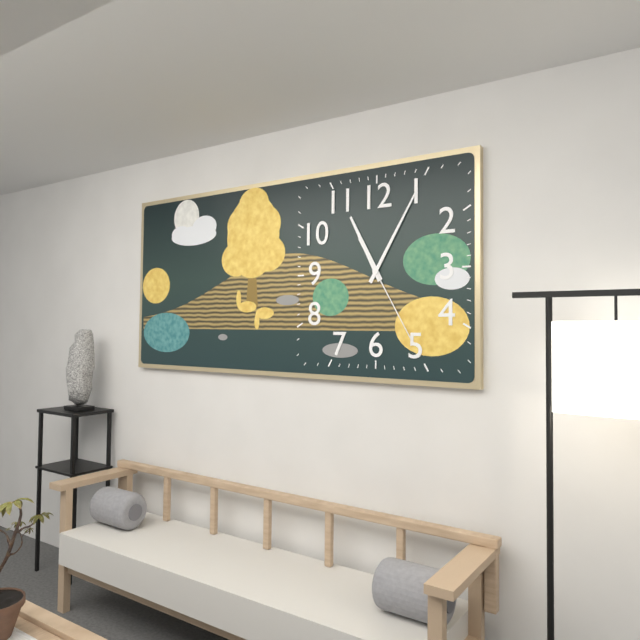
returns {"hour": 11, "minute": 5, "second": 25}
